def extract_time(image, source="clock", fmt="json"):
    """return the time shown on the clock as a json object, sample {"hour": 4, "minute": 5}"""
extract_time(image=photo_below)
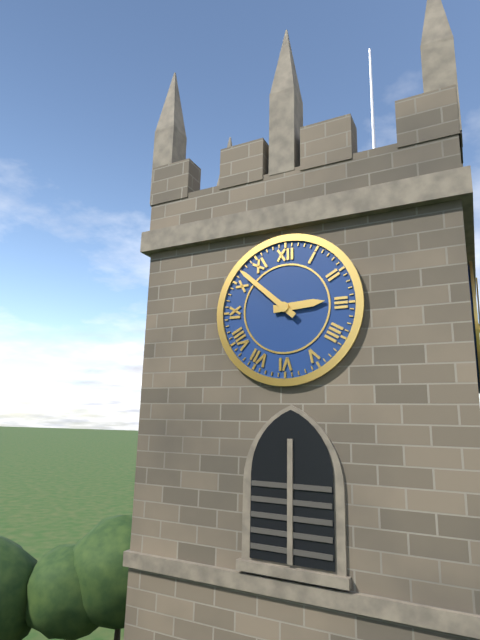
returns {"hour": 2, "minute": 52}
